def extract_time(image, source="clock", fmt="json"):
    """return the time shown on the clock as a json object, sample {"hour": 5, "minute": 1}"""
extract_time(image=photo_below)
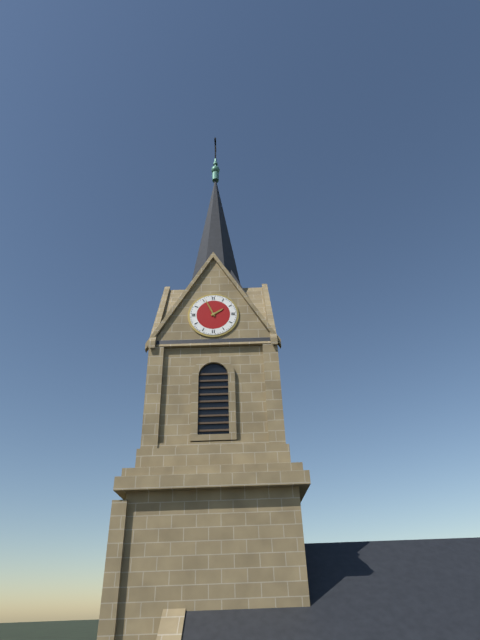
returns {"hour": 1, "minute": 56}
